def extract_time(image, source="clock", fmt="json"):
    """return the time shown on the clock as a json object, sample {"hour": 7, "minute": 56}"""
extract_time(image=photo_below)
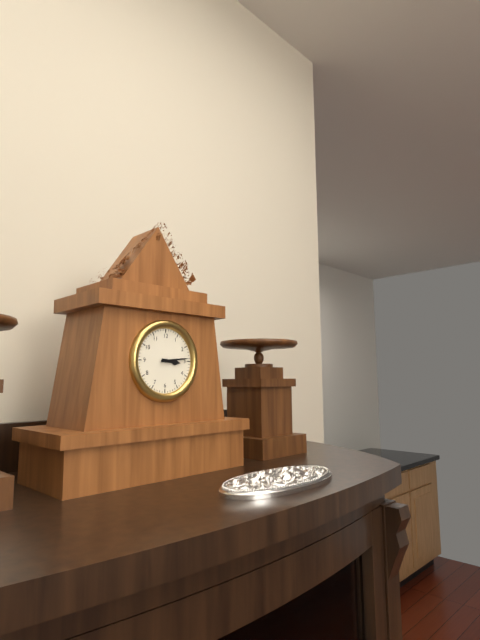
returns {"hour": 3, "minute": 14}
